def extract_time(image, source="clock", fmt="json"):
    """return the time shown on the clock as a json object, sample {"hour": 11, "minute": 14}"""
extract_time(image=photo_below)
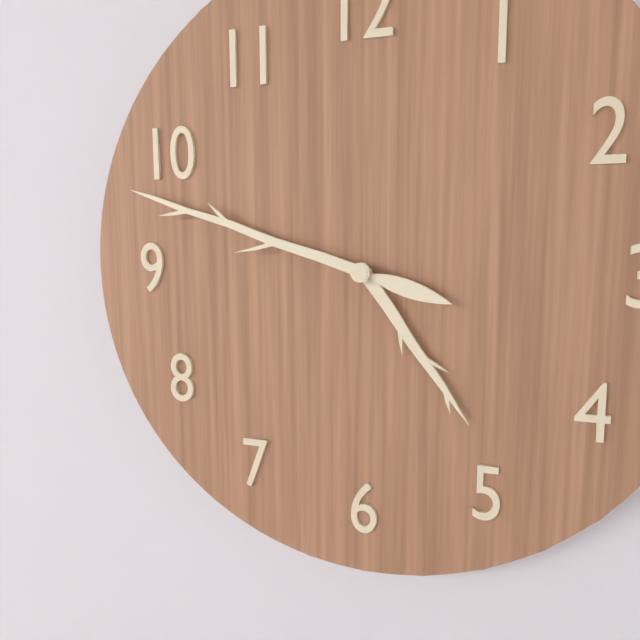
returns {"hour": 4, "minute": 48}
